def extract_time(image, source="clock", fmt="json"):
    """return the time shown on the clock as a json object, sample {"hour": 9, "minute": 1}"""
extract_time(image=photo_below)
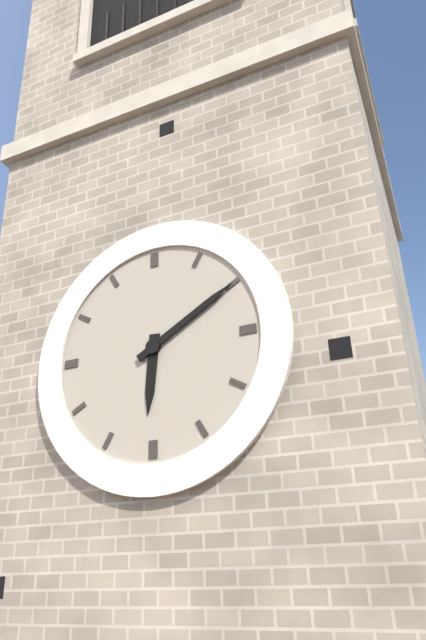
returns {"hour": 6, "minute": 10}
